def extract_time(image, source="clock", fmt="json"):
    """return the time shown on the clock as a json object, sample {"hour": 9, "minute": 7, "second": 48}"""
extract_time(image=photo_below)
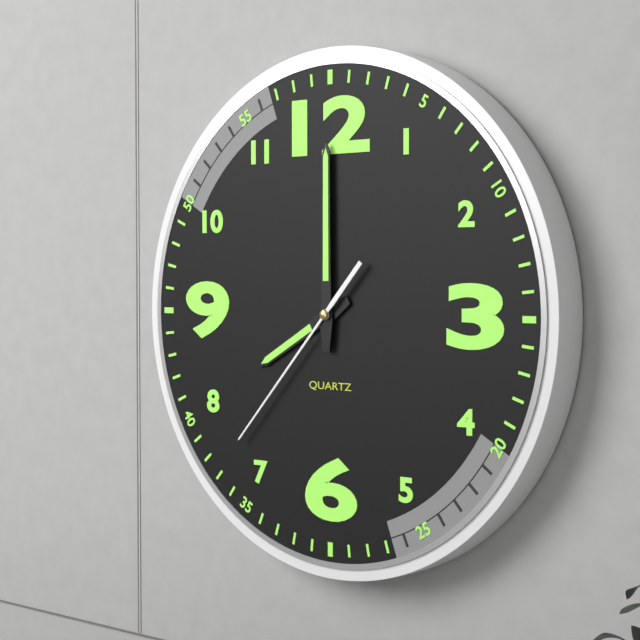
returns {"hour": 8, "minute": 0, "second": 37}
